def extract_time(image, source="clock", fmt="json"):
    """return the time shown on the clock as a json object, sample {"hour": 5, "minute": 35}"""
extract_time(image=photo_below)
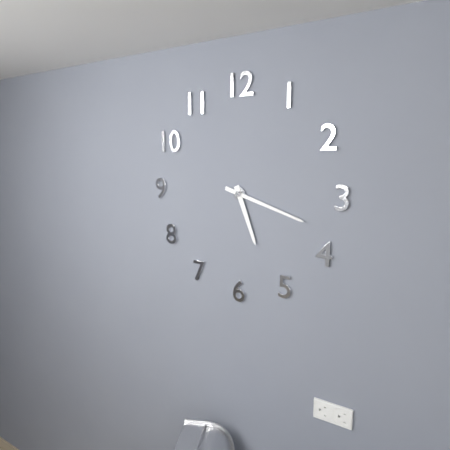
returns {"hour": 5, "minute": 18}
